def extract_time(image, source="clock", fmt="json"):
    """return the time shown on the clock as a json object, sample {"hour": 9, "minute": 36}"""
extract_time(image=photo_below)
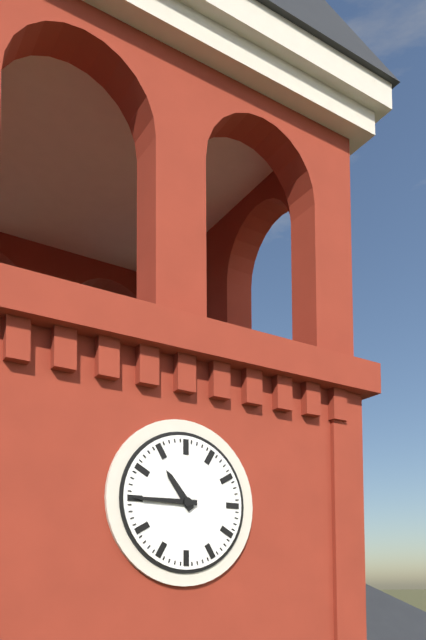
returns {"hour": 10, "minute": 45}
